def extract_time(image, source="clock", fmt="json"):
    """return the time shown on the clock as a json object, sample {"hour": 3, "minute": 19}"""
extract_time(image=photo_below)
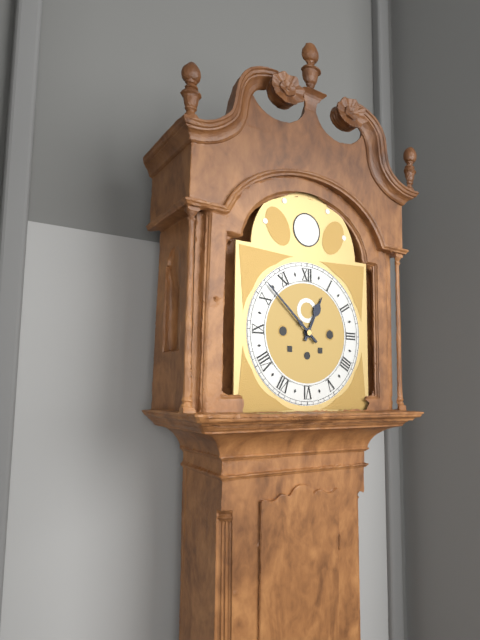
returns {"hour": 12, "minute": 52}
